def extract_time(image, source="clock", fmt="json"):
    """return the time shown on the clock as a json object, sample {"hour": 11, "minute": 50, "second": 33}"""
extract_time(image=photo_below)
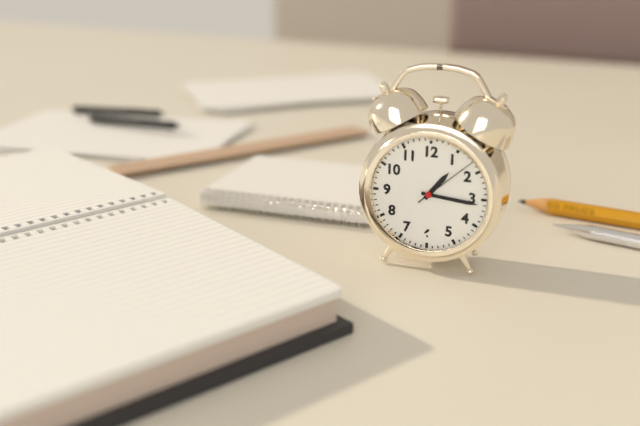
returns {"hour": 1, "minute": 16, "second": 8}
